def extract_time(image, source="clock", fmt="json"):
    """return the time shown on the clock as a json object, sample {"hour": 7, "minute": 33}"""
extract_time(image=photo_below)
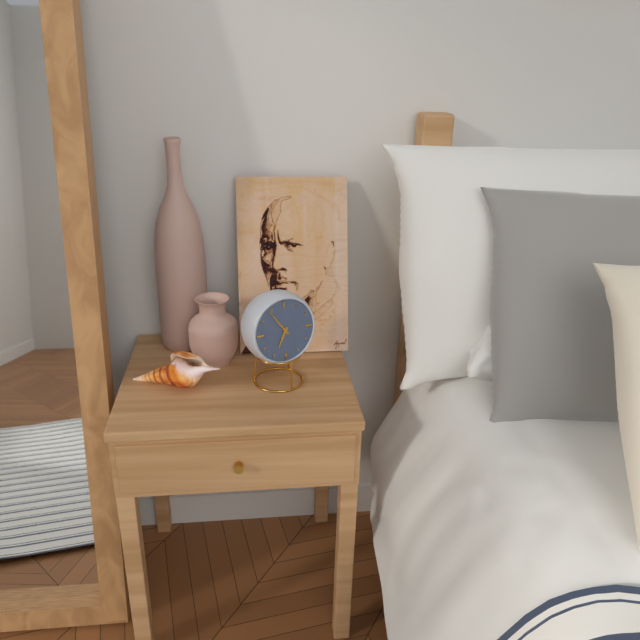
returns {"hour": 6, "minute": 54}
